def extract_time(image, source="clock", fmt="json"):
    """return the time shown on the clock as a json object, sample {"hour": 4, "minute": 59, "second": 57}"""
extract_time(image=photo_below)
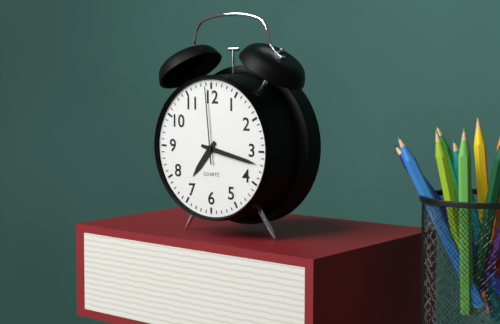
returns {"hour": 7, "minute": 17, "second": 59}
